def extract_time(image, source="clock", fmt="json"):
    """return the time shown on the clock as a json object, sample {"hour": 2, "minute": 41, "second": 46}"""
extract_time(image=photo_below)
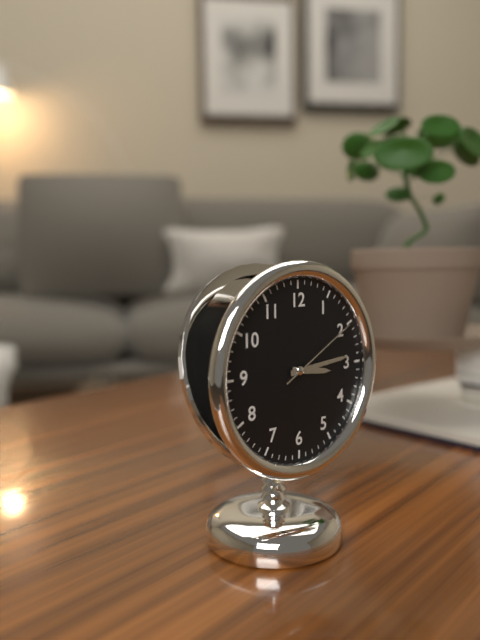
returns {"hour": 3, "minute": 14, "second": 10}
